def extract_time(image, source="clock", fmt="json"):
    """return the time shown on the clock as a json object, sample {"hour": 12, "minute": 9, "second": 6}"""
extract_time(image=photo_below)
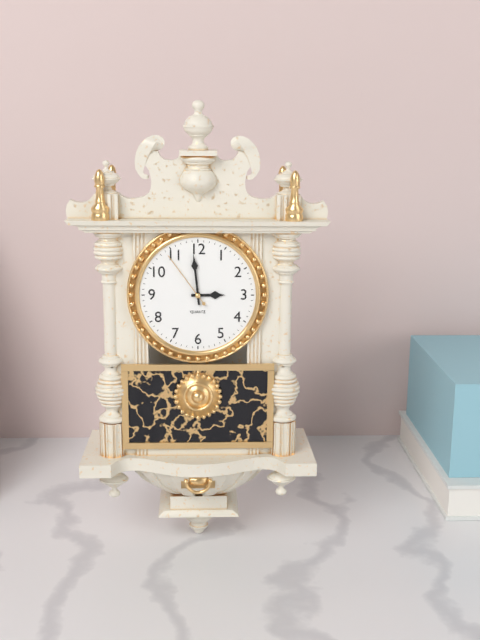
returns {"hour": 2, "minute": 59, "second": 54}
